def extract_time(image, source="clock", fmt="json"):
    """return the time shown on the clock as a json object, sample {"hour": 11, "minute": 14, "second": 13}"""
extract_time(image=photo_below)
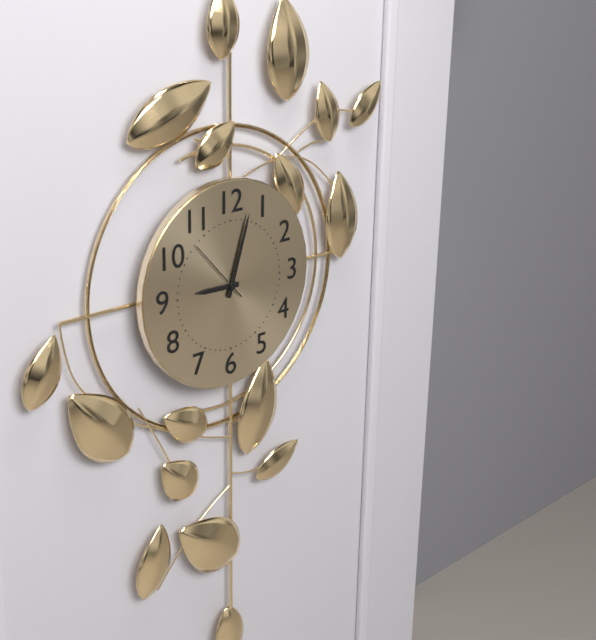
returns {"hour": 9, "minute": 3, "second": 53}
